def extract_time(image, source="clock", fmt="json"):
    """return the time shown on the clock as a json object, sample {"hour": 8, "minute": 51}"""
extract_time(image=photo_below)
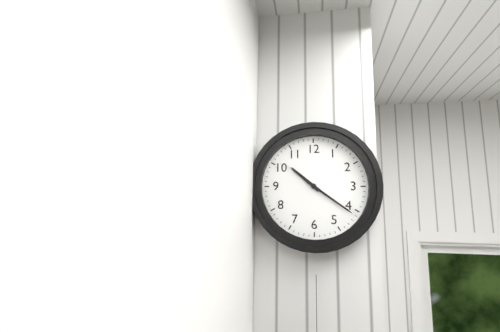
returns {"hour": 10, "minute": 21}
